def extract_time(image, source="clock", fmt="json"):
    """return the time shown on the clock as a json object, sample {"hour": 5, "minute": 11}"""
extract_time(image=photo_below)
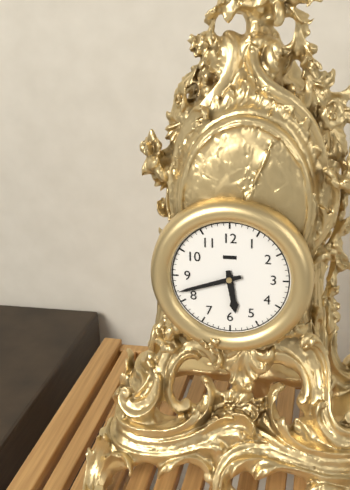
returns {"hour": 5, "minute": 42}
